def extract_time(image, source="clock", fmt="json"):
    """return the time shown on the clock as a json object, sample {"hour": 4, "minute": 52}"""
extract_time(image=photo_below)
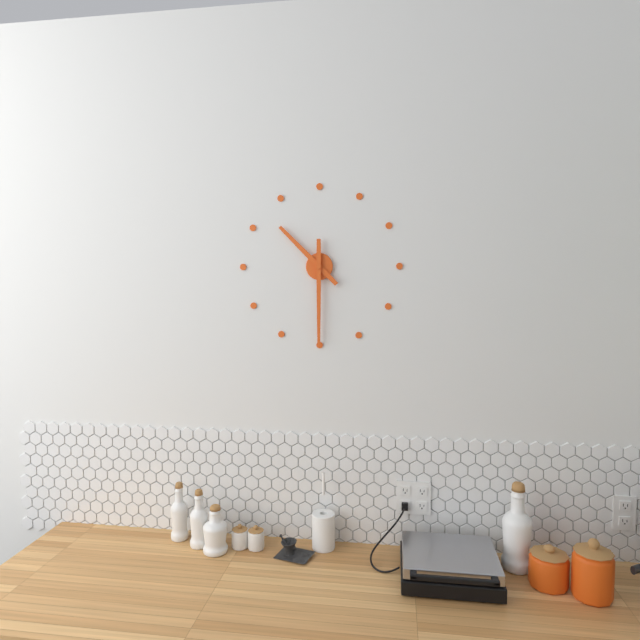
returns {"hour": 10, "minute": 30}
